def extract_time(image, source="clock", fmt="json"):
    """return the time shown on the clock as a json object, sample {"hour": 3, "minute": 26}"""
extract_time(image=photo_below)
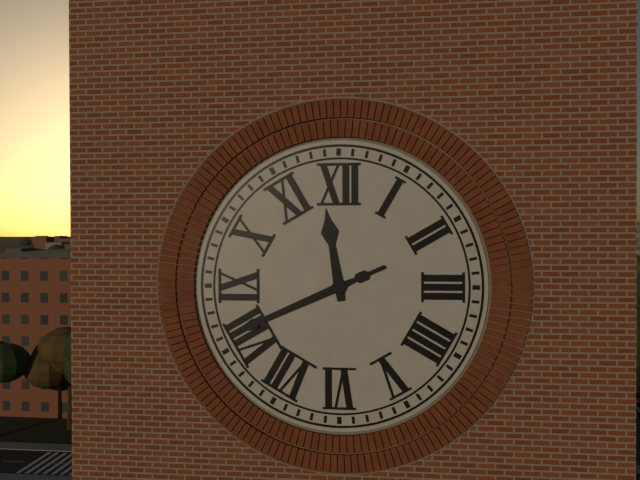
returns {"hour": 11, "minute": 41}
